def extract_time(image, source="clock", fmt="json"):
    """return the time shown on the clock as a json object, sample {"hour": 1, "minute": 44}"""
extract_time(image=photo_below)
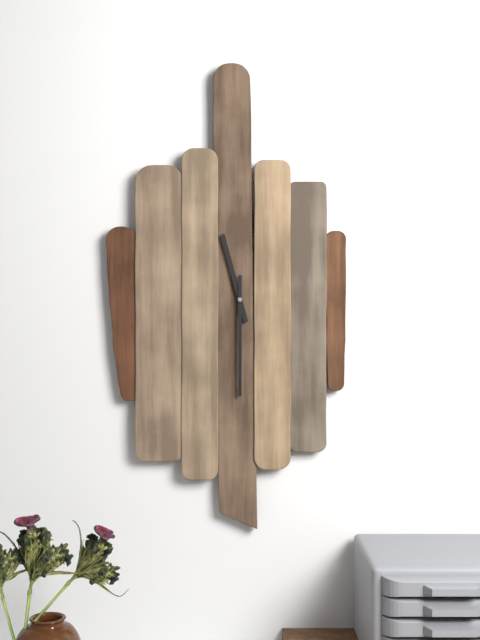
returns {"hour": 11, "minute": 30}
